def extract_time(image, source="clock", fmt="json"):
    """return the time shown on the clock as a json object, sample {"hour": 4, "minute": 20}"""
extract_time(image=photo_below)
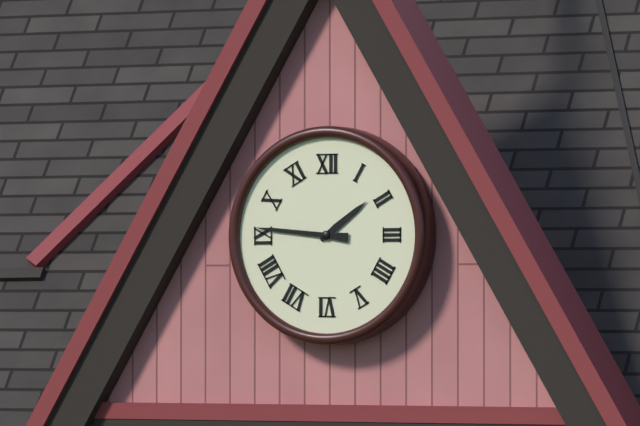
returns {"hour": 1, "minute": 46}
